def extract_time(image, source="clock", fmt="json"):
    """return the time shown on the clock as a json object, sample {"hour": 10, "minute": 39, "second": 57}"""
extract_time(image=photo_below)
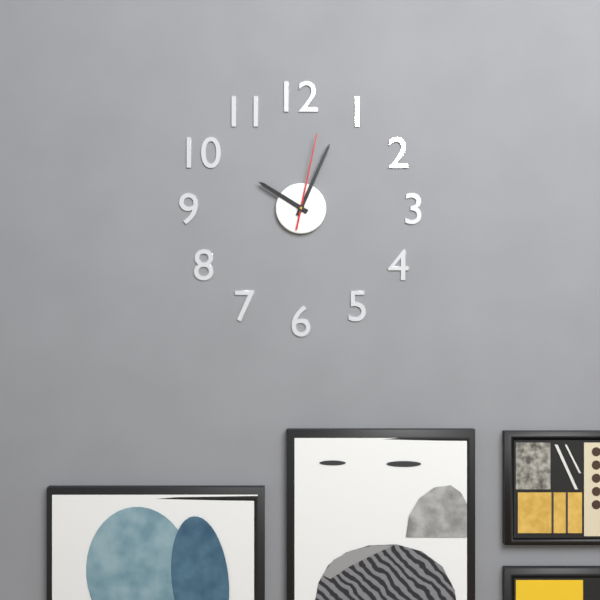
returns {"hour": 10, "minute": 4, "second": 2}
